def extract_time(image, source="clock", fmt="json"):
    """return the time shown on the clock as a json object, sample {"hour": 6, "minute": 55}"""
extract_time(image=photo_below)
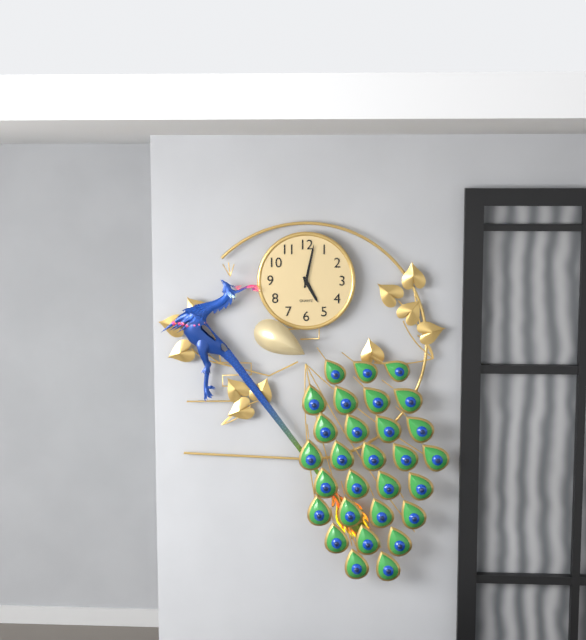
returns {"hour": 5, "minute": 2}
